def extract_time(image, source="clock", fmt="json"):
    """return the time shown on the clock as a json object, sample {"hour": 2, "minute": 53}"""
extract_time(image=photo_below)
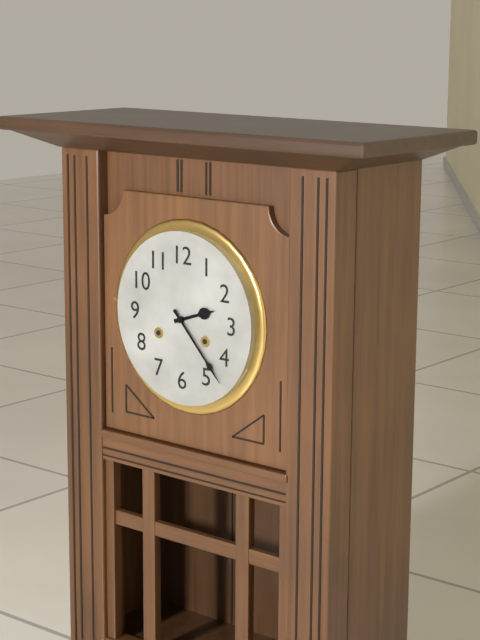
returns {"hour": 2, "minute": 23}
